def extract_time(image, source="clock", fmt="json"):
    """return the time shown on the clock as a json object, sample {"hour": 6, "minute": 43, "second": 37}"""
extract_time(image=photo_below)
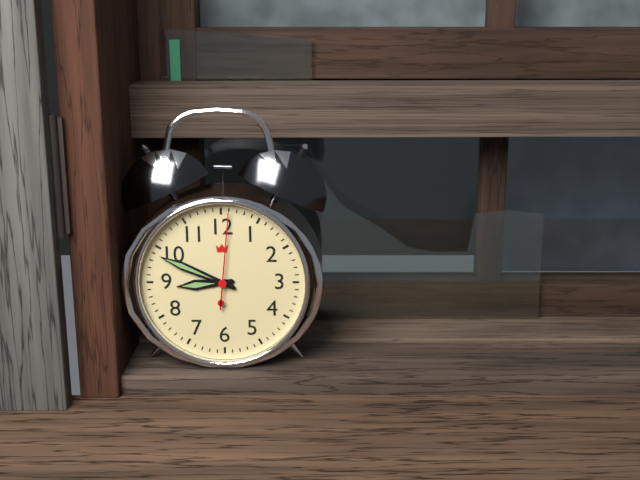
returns {"hour": 8, "minute": 49, "second": 1}
